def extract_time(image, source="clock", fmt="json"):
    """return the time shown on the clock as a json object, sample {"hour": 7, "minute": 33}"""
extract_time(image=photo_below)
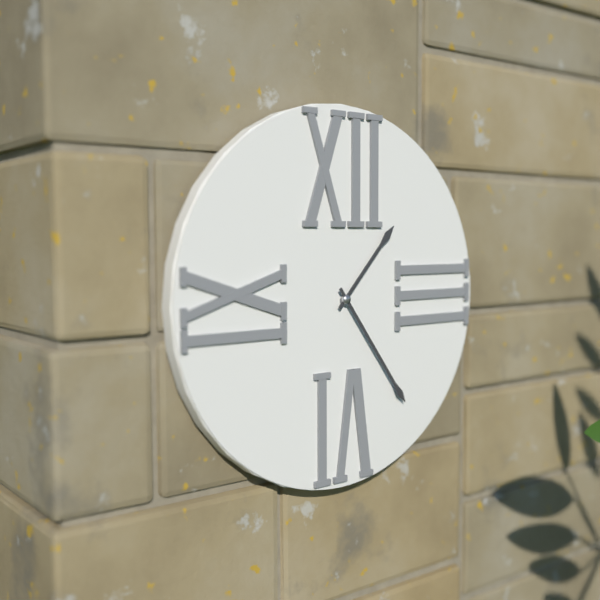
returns {"hour": 1, "minute": 24}
